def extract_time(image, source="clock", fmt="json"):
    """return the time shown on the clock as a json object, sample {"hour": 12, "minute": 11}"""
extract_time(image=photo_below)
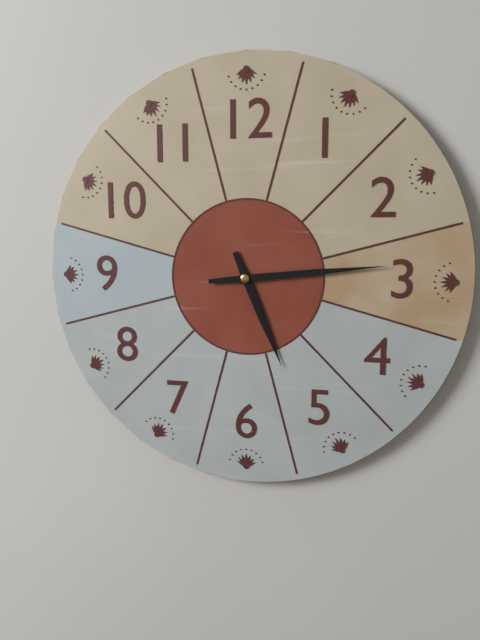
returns {"hour": 5, "minute": 14}
